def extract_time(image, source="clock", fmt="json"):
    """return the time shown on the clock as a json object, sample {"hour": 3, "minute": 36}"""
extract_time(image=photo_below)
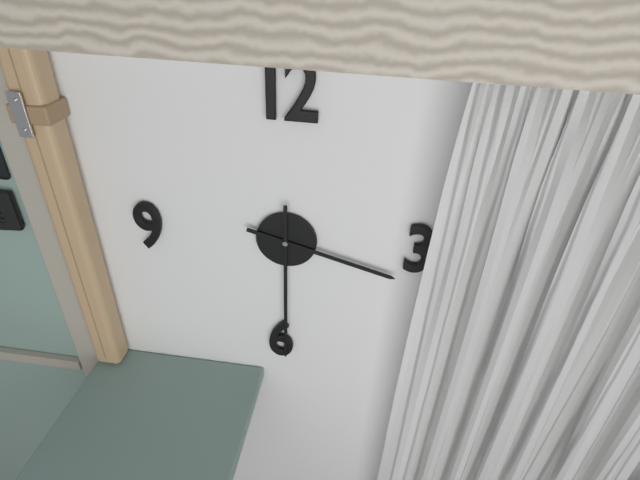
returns {"hour": 3, "minute": 30}
